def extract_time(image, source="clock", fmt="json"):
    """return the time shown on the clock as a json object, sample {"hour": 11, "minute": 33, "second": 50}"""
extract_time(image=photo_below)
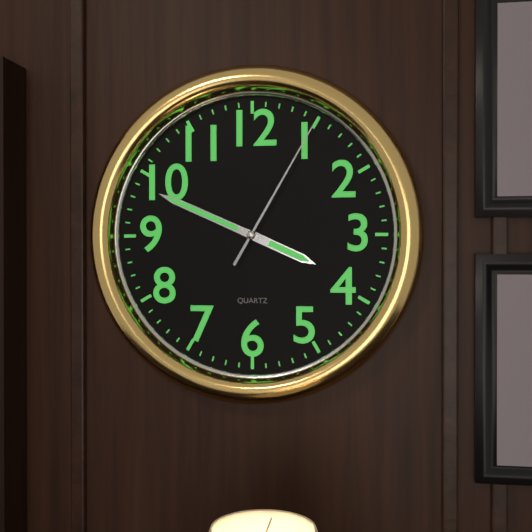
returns {"hour": 3, "minute": 49, "second": 5}
